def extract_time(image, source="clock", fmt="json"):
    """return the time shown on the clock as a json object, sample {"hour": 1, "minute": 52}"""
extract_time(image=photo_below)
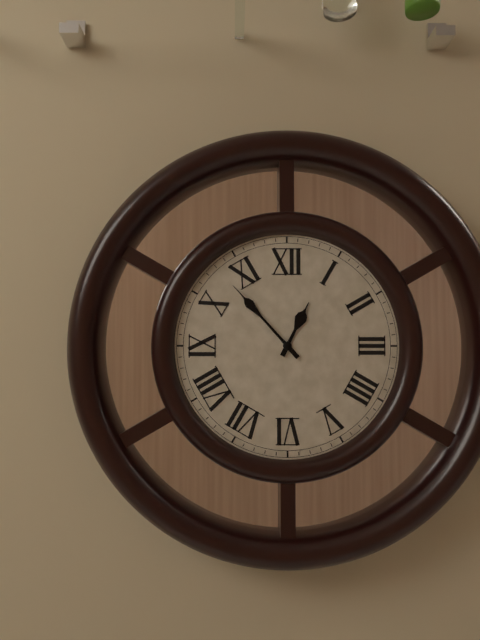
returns {"hour": 12, "minute": 53}
